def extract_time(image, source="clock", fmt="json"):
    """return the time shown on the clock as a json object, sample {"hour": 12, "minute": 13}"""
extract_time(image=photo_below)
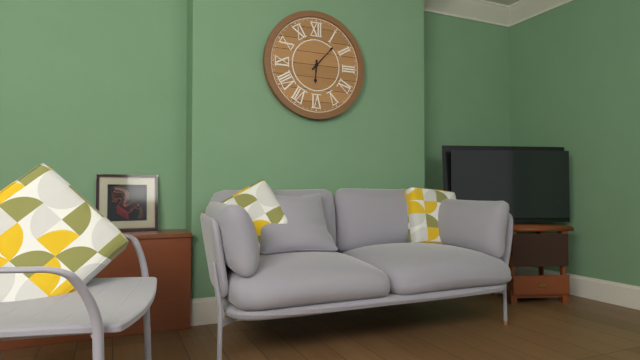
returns {"hour": 6, "minute": 7}
